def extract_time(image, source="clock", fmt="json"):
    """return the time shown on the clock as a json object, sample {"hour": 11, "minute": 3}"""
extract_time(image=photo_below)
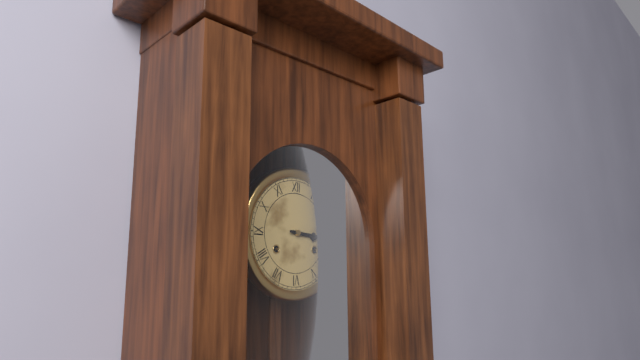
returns {"hour": 3, "minute": 16}
